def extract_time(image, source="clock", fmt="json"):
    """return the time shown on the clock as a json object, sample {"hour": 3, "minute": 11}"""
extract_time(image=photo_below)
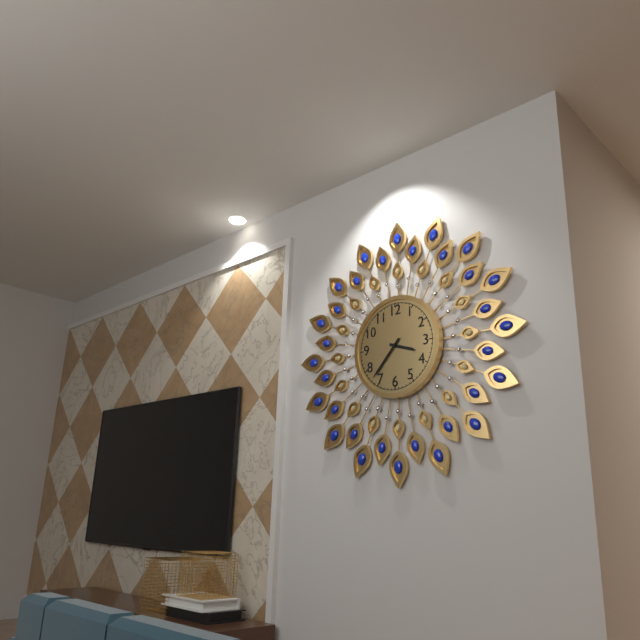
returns {"hour": 3, "minute": 37}
